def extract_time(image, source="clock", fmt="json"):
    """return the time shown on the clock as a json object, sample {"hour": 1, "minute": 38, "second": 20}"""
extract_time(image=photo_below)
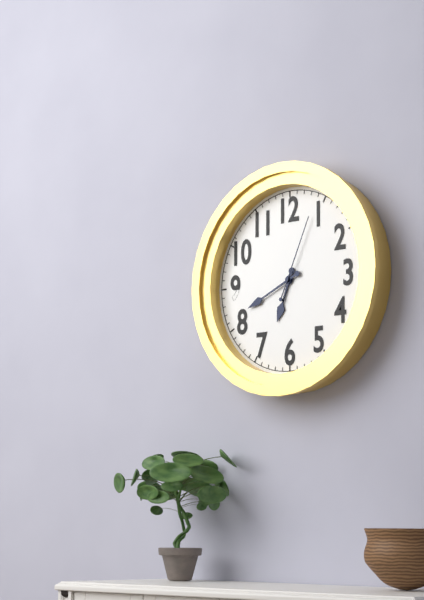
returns {"hour": 6, "minute": 41, "second": 4}
